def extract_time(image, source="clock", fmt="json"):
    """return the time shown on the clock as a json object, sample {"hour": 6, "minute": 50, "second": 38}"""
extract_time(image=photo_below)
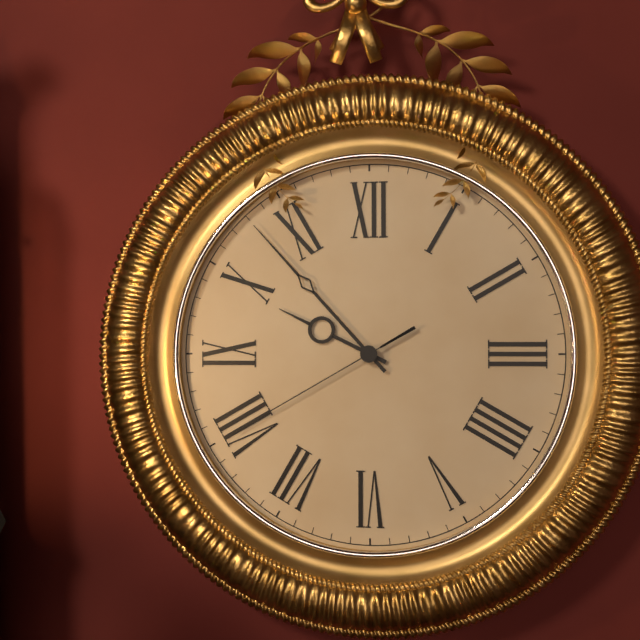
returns {"hour": 9, "minute": 53, "second": 40}
